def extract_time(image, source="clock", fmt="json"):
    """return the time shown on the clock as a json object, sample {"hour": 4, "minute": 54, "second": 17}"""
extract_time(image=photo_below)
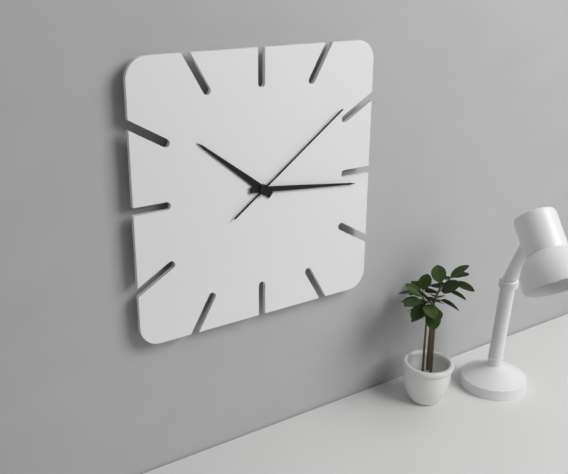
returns {"hour": 10, "minute": 16, "second": 9}
